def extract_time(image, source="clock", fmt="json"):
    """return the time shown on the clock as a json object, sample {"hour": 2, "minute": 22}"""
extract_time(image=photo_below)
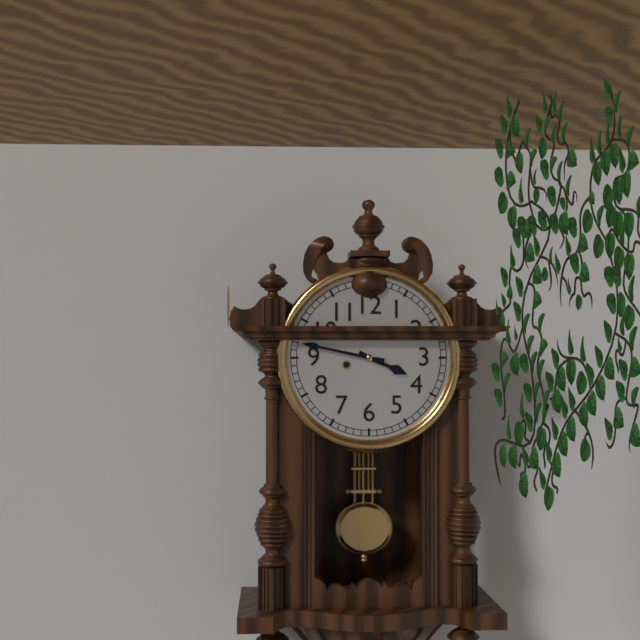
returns {"hour": 3, "minute": 47}
